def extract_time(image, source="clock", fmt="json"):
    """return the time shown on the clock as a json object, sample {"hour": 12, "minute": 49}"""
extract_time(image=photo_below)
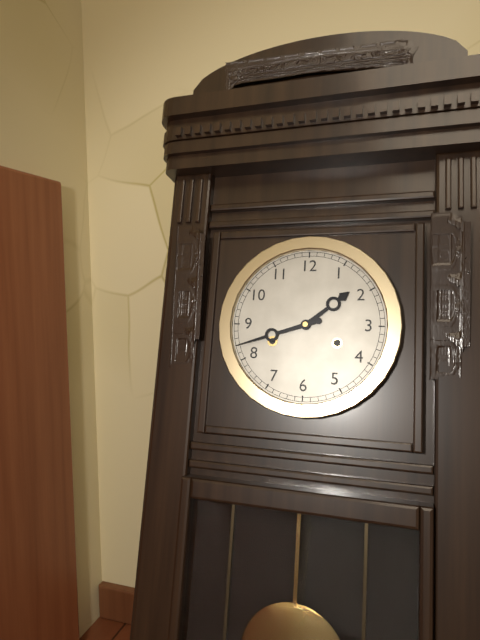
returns {"hour": 1, "minute": 42}
